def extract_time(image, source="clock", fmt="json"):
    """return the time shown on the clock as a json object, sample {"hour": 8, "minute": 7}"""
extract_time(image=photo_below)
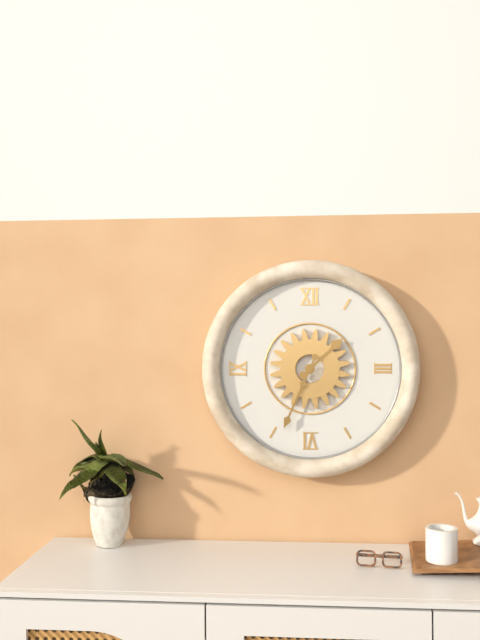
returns {"hour": 1, "minute": 34}
